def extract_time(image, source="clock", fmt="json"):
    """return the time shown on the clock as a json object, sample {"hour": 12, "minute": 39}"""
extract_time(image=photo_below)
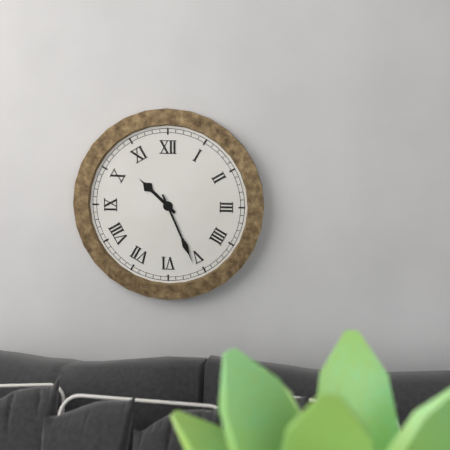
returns {"hour": 10, "minute": 26}
